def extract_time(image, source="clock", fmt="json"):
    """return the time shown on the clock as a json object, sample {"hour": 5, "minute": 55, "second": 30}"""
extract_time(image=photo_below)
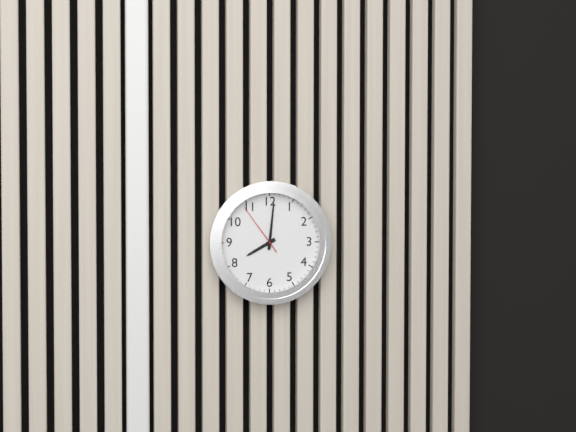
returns {"hour": 8, "minute": 1, "second": 54}
